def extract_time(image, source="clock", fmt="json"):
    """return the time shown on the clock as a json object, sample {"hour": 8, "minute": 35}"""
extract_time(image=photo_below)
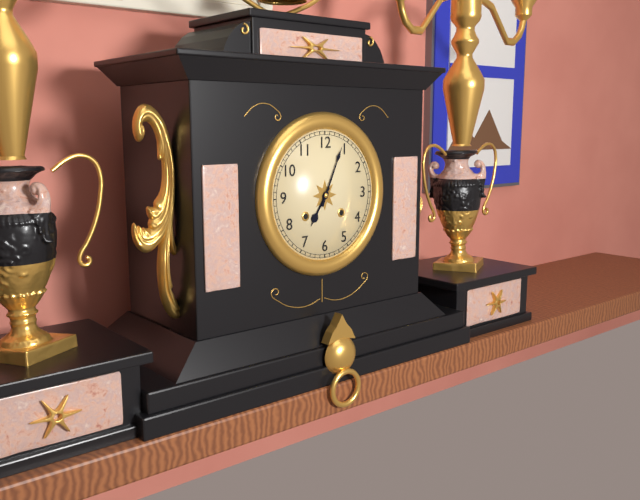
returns {"hour": 7, "minute": 4}
